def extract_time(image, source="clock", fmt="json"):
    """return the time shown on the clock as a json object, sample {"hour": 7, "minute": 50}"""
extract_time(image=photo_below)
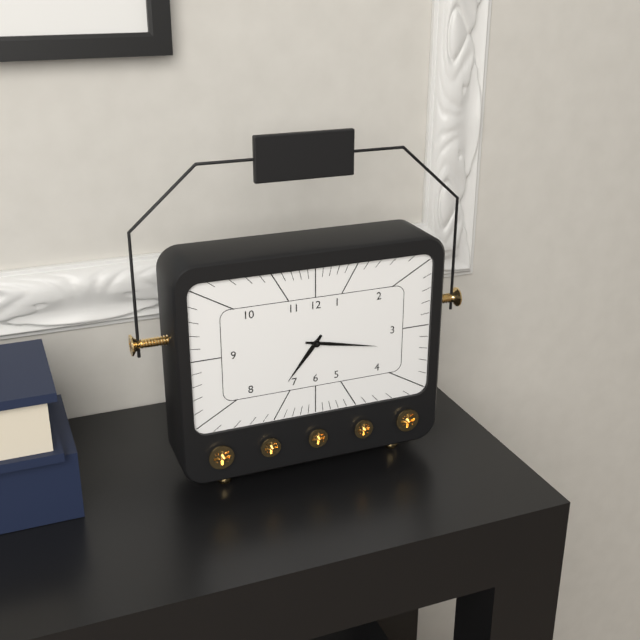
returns {"hour": 7, "minute": 17}
